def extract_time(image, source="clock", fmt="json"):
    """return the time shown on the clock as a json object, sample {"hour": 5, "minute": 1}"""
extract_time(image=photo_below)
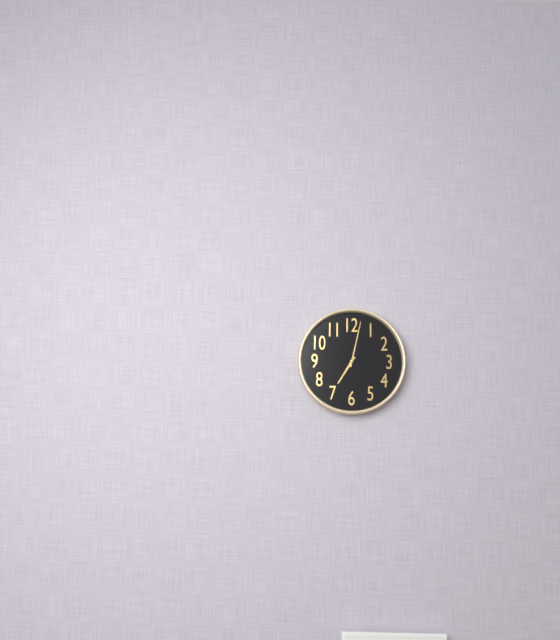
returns {"hour": 7, "minute": 2}
